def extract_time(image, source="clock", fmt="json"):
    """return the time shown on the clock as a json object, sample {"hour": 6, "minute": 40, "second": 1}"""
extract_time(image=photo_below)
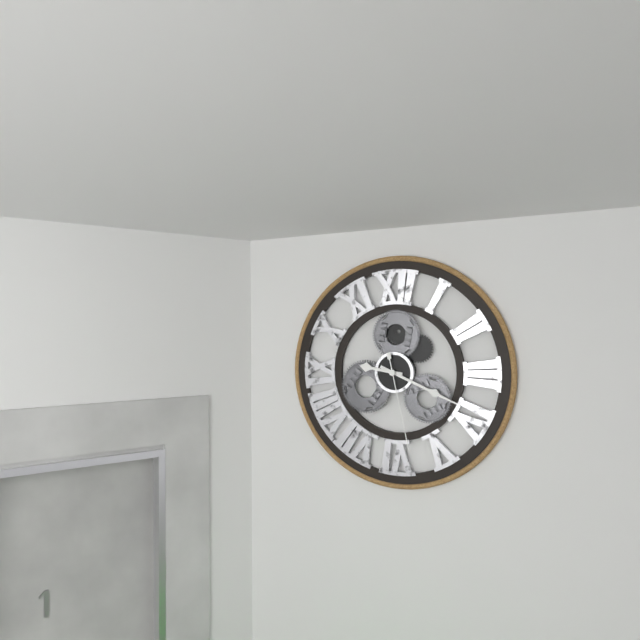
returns {"hour": 9, "minute": 19, "second": 28}
